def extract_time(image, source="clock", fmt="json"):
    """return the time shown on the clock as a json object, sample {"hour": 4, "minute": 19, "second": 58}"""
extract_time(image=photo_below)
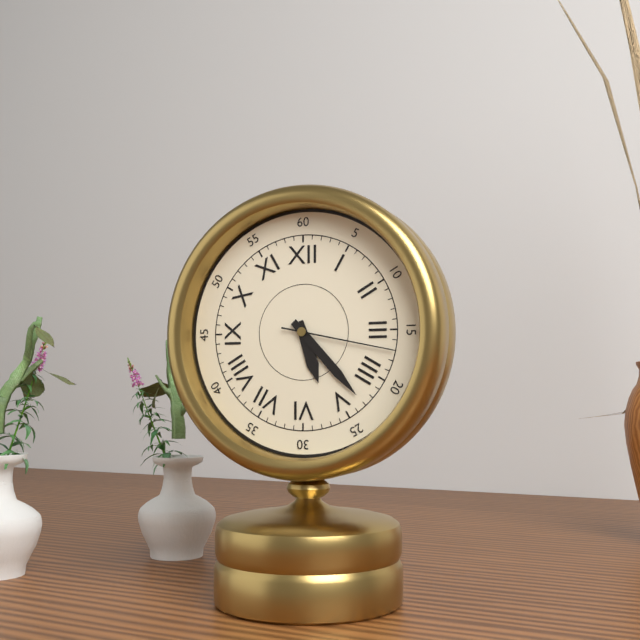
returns {"hour": 5, "minute": 23, "second": 17}
